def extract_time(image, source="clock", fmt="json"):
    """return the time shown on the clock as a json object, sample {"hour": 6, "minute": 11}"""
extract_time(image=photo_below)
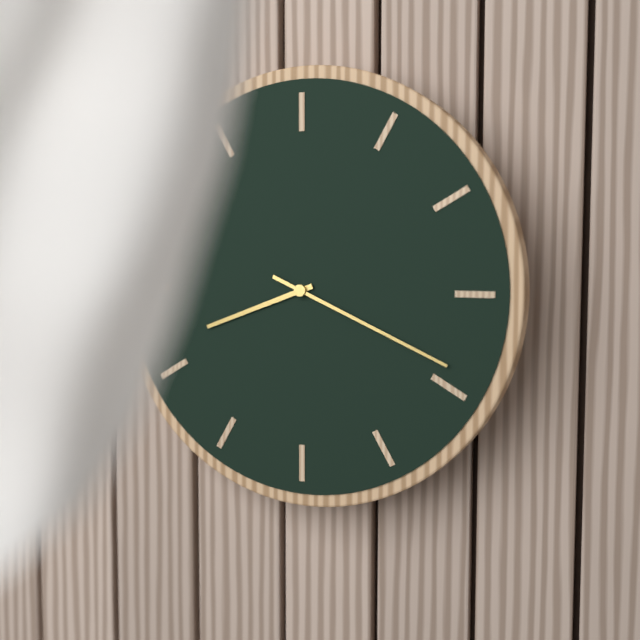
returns {"hour": 8, "minute": 19}
